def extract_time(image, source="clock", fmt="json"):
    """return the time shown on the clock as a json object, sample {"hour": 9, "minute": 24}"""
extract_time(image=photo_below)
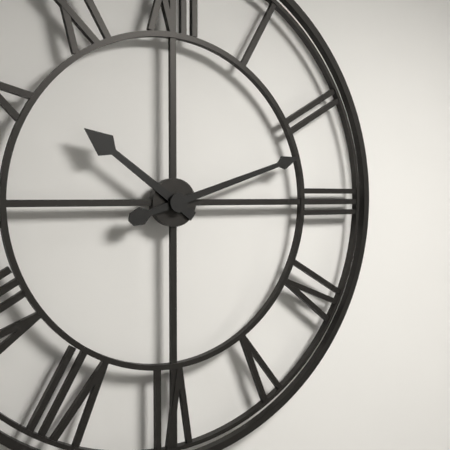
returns {"hour": 10, "minute": 12}
